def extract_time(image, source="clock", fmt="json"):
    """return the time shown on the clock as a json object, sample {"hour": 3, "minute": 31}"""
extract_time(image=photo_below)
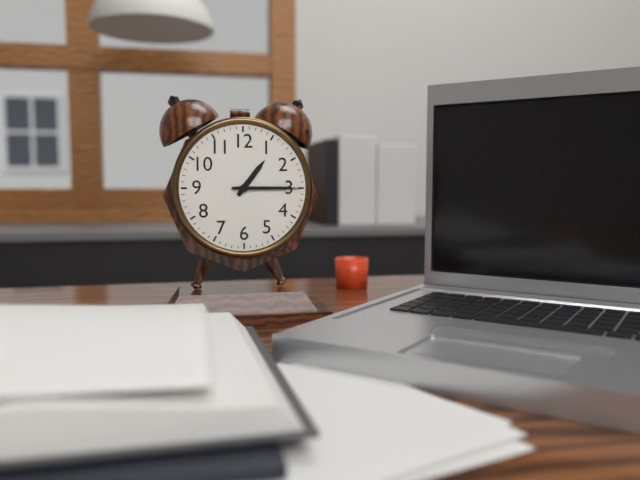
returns {"hour": 1, "minute": 15}
